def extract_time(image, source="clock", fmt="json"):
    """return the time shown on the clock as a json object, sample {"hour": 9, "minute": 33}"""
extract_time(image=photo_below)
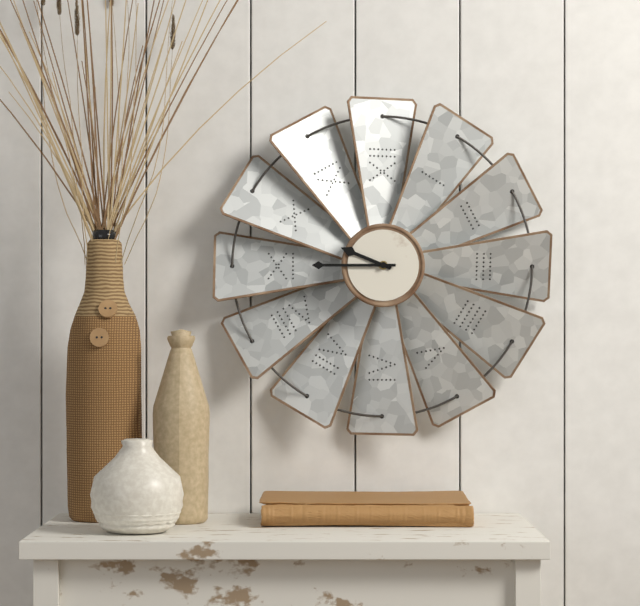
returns {"hour": 9, "minute": 45}
